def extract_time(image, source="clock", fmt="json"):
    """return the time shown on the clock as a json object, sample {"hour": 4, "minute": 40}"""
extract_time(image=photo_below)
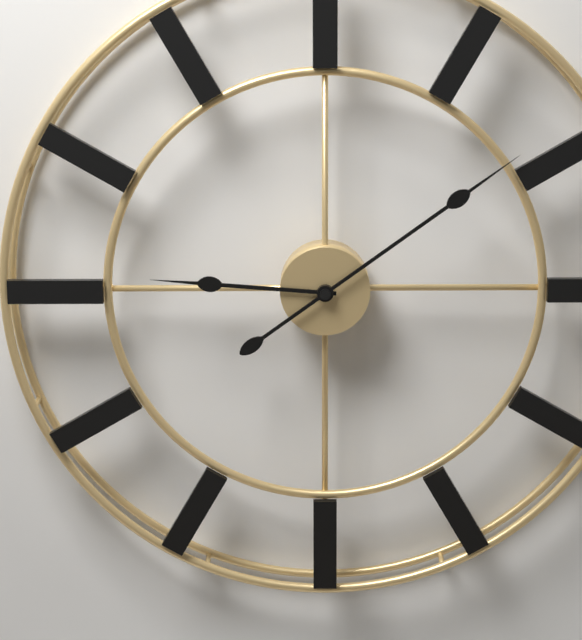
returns {"hour": 9, "minute": 9}
